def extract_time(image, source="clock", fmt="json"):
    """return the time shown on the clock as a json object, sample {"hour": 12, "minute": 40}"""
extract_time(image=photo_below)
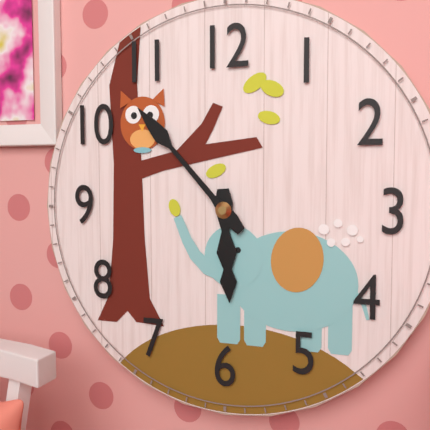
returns {"hour": 5, "minute": 53}
